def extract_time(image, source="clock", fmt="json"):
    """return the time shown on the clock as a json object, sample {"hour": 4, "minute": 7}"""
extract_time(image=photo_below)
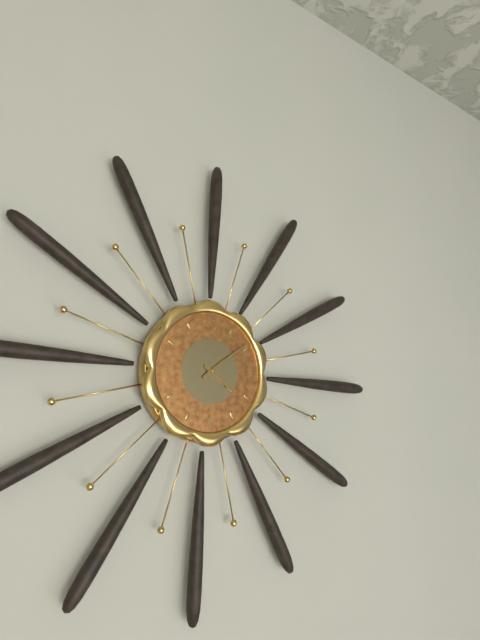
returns {"hour": 4, "minute": 9}
